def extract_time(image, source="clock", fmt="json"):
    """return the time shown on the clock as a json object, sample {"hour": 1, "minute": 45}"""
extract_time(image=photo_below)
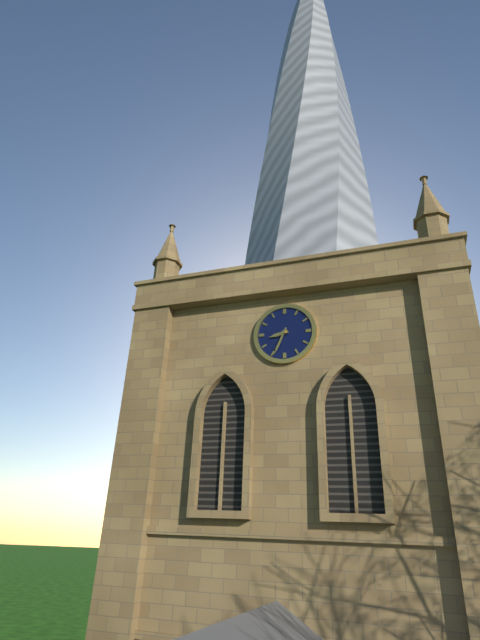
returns {"hour": 8, "minute": 34}
